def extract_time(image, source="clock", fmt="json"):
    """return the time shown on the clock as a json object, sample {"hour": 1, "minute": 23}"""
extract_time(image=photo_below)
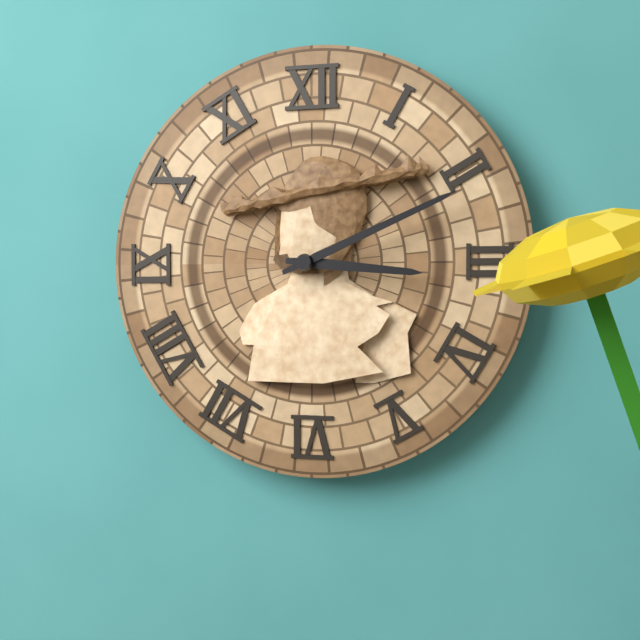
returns {"hour": 3, "minute": 11}
